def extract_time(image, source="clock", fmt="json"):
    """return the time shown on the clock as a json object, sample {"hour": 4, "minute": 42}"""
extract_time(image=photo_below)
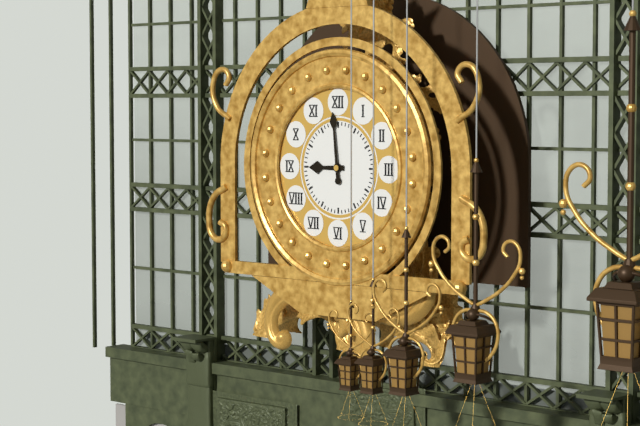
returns {"hour": 8, "minute": 59}
